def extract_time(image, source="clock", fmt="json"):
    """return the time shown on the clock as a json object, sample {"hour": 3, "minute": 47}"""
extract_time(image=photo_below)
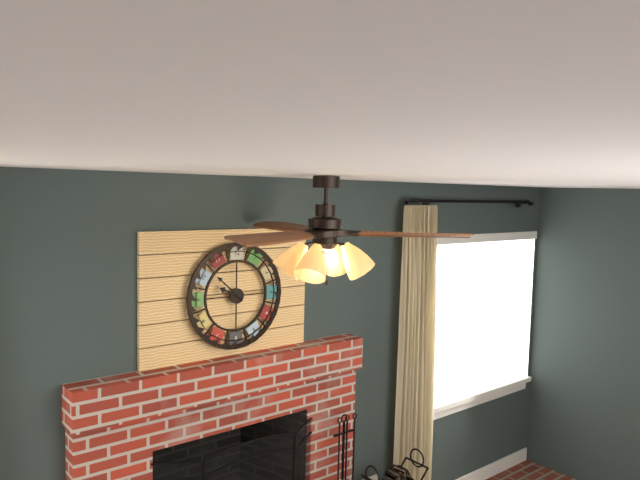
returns {"hour": 9, "minute": 52}
